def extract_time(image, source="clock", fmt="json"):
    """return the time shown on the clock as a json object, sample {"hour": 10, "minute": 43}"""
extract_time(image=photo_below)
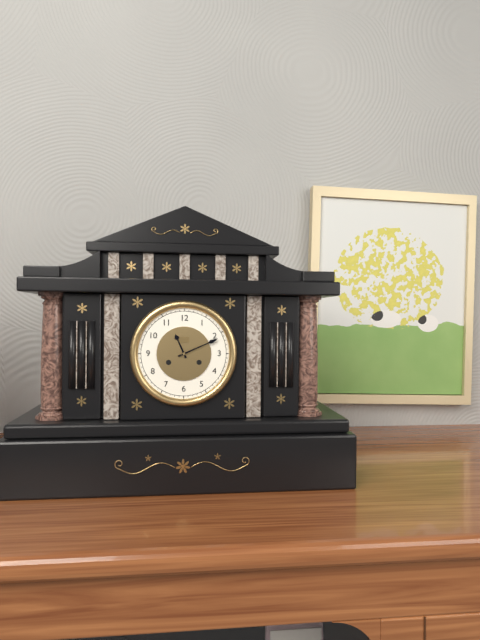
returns {"hour": 11, "minute": 11}
